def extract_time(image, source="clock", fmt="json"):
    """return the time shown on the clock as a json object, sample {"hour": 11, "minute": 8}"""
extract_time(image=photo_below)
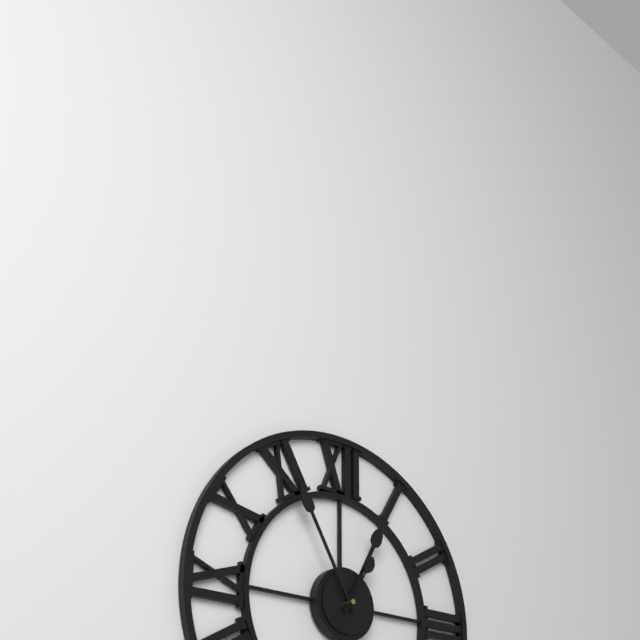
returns {"hour": 12, "minute": 55}
